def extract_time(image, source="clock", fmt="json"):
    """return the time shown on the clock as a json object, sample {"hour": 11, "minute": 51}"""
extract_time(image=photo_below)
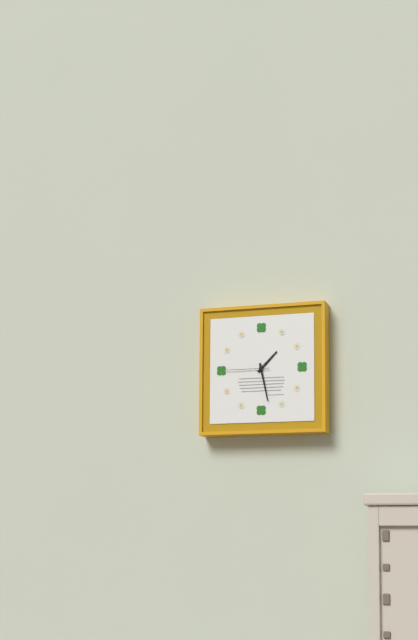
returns {"hour": 1, "minute": 28}
